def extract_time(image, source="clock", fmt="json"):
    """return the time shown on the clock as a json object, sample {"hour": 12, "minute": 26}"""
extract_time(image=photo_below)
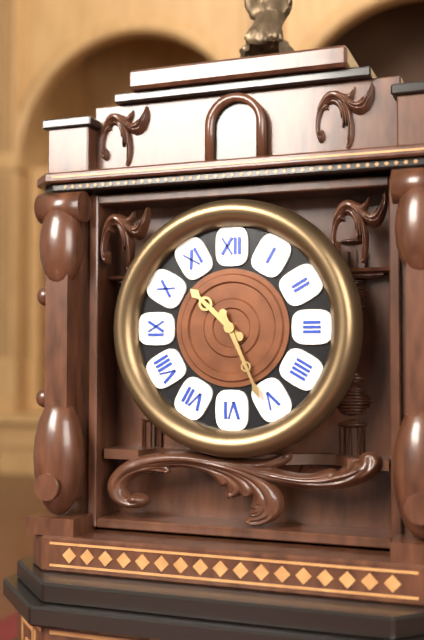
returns {"hour": 10, "minute": 26}
